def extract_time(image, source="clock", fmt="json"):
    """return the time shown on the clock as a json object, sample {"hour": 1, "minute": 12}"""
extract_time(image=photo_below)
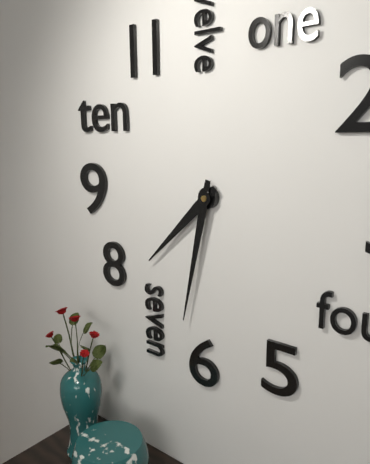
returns {"hour": 7, "minute": 32}
